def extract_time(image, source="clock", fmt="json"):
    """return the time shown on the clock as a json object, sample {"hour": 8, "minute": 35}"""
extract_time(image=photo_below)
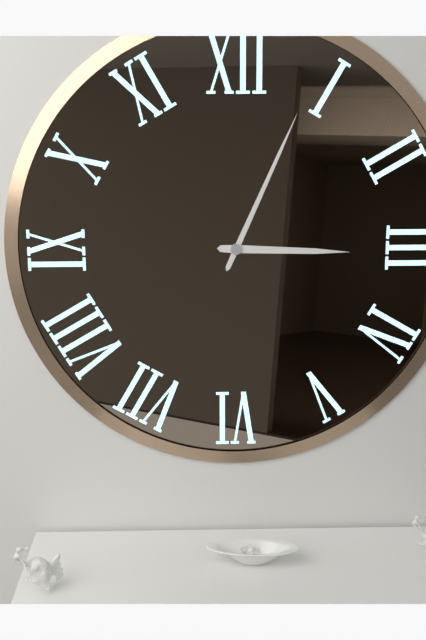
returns {"hour": 3, "minute": 4}
